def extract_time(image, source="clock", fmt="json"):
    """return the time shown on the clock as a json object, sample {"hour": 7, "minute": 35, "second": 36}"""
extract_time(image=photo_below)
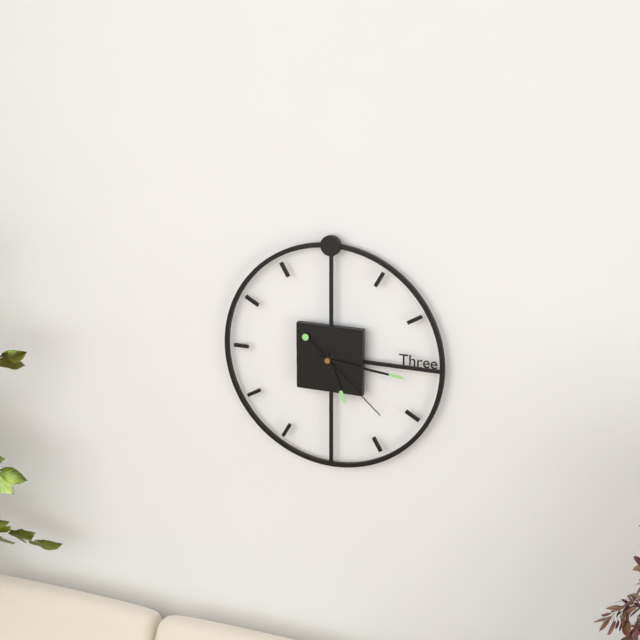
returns {"hour": 5, "minute": 16, "second": 22}
